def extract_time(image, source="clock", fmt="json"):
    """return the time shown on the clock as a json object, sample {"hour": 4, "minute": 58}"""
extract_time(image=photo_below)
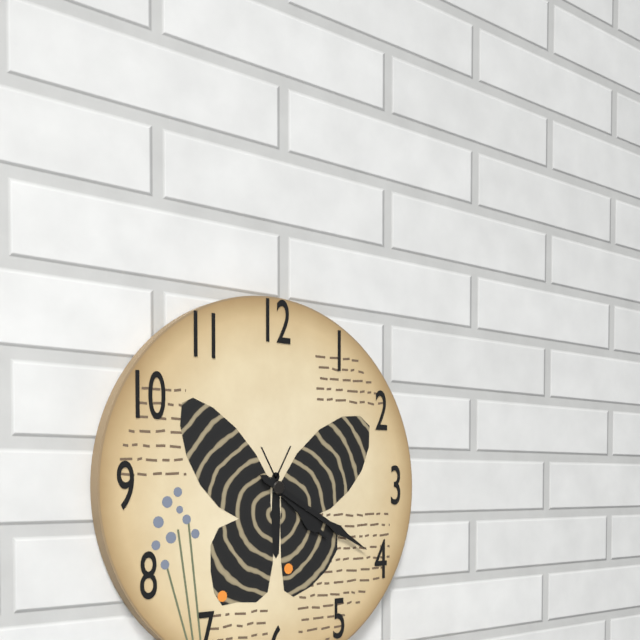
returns {"hour": 4, "minute": 20}
